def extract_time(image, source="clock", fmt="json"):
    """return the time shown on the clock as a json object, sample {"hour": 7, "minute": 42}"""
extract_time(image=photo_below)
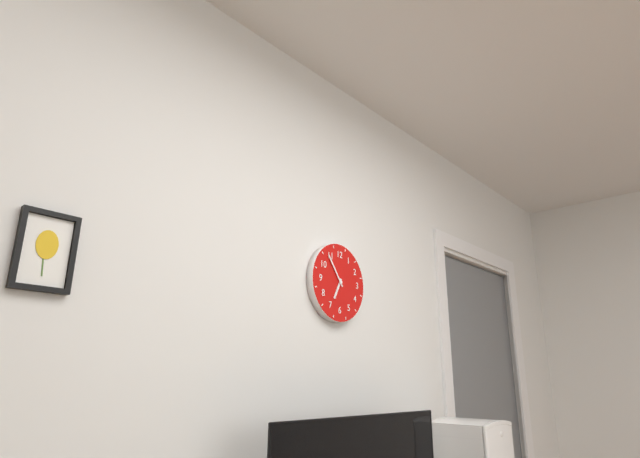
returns {"hour": 6, "minute": 54}
